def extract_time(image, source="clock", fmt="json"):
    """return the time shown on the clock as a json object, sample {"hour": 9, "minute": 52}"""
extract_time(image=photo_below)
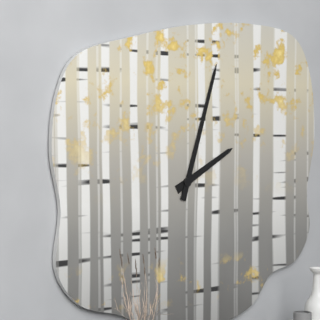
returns {"hour": 2, "minute": 3}
